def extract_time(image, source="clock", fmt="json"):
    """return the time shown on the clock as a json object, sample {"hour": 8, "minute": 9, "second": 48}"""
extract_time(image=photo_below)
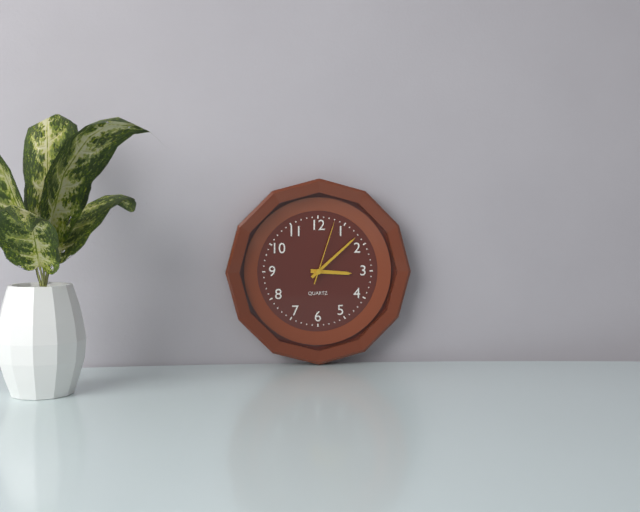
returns {"hour": 3, "minute": 8, "second": 3}
